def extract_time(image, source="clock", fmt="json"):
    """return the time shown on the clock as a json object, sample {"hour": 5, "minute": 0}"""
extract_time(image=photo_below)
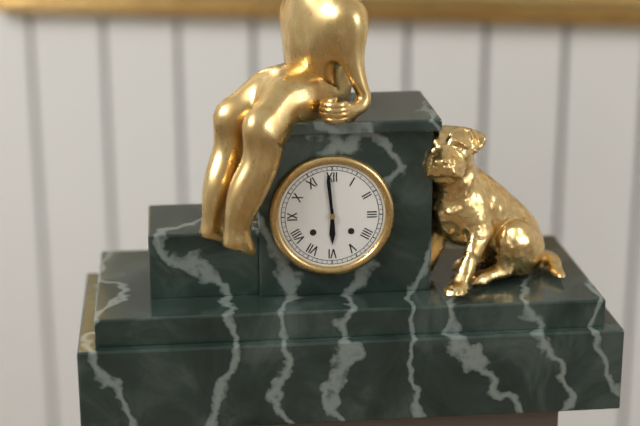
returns {"hour": 5, "minute": 59}
